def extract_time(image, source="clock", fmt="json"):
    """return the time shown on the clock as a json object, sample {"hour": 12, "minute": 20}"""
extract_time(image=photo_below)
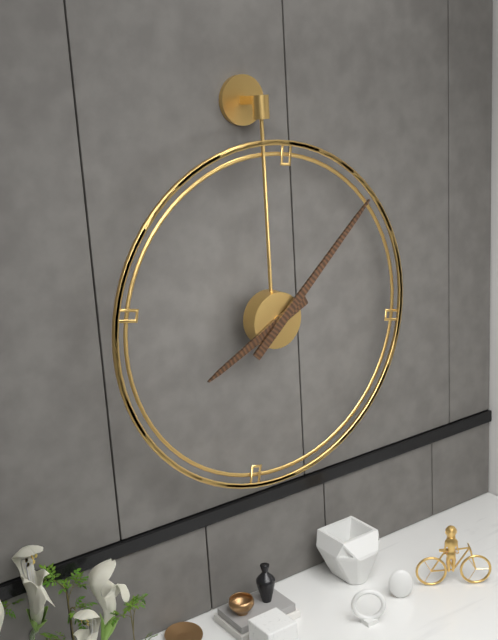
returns {"hour": 8, "minute": 8}
